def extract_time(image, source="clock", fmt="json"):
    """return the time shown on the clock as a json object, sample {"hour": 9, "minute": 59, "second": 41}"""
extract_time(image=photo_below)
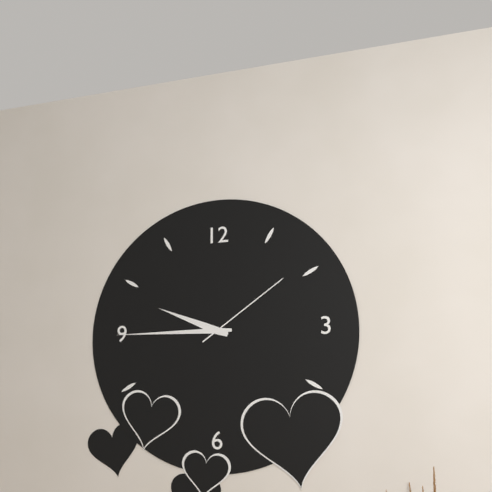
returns {"hour": 9, "minute": 45, "second": 9}
